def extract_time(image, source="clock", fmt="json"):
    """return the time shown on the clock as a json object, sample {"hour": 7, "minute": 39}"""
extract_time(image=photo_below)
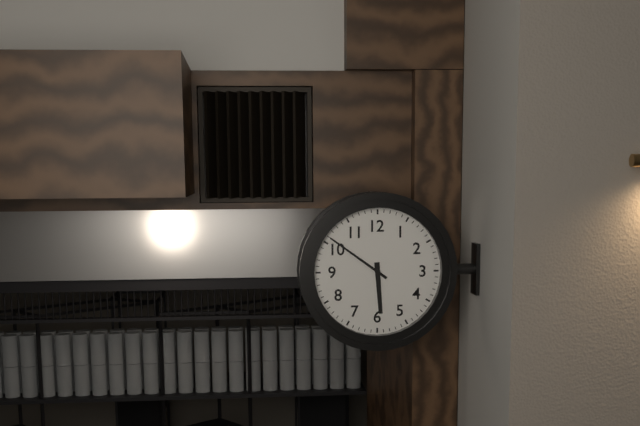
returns {"hour": 5, "minute": 51}
